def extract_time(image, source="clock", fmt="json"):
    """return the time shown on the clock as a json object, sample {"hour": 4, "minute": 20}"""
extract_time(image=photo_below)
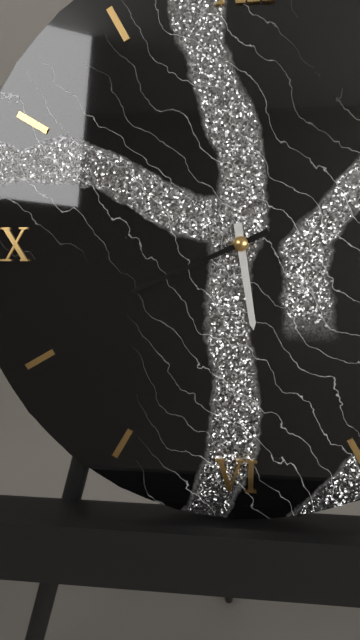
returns {"hour": 5, "minute": 41}
